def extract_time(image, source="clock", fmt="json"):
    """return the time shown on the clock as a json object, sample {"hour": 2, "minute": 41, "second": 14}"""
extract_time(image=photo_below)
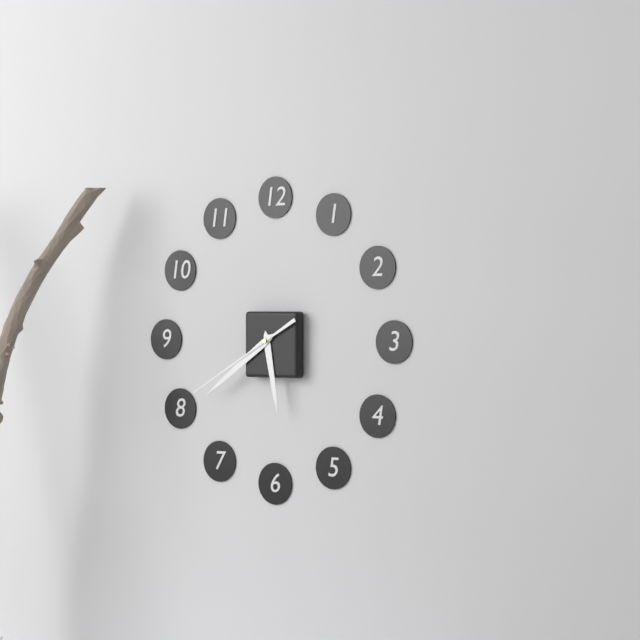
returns {"hour": 5, "minute": 39, "second": 40}
